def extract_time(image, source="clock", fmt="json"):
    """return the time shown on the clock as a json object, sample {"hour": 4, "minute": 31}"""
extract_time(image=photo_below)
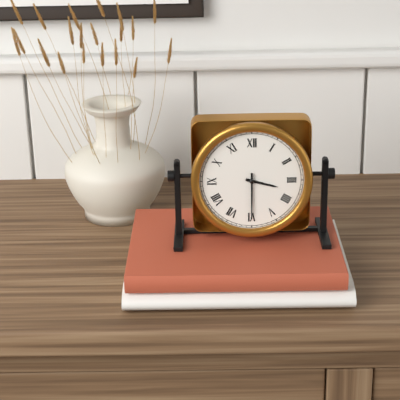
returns {"hour": 3, "minute": 30}
